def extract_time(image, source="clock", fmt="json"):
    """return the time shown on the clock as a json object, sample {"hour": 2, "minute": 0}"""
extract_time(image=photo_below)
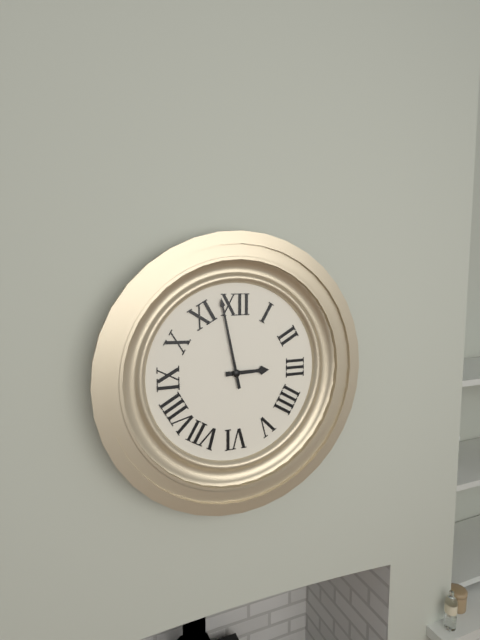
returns {"hour": 2, "minute": 58}
